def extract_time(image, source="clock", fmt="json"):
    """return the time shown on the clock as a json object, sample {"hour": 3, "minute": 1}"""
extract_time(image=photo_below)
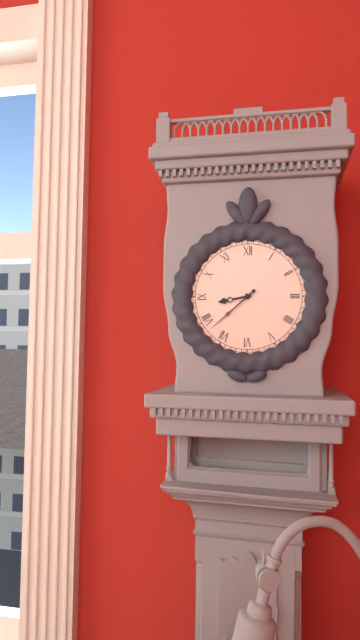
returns {"hour": 8, "minute": 38}
